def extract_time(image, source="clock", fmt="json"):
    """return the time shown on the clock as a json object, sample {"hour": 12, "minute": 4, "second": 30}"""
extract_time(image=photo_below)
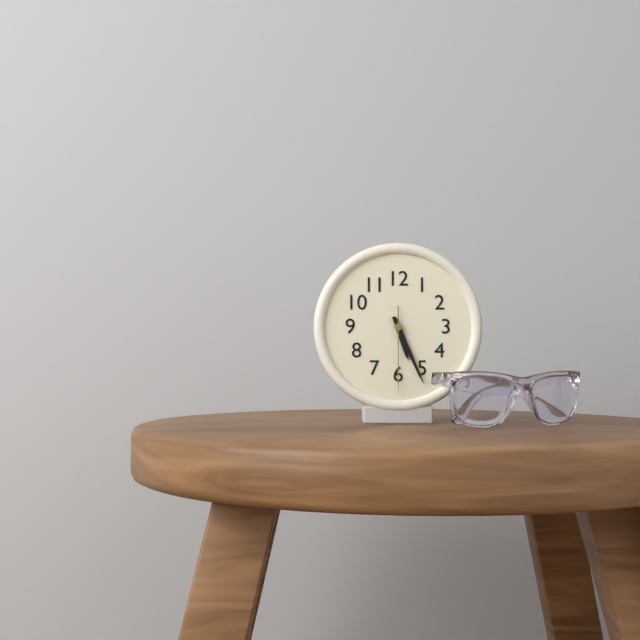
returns {"hour": 5, "minute": 26, "second": 30}
